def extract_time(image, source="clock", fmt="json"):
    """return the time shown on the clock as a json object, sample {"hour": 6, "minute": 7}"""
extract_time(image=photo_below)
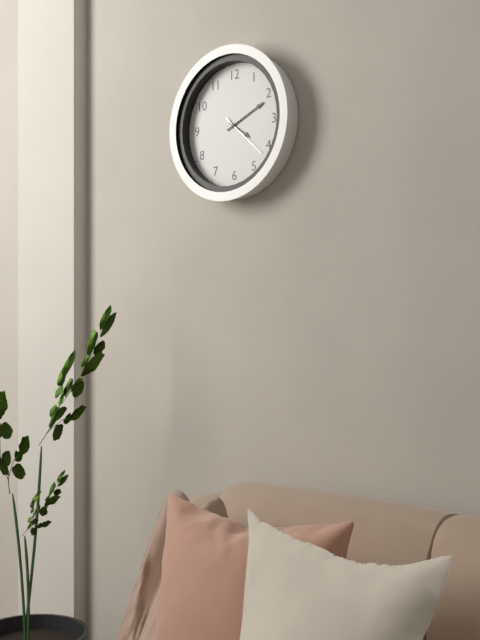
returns {"hour": 4, "minute": 11}
